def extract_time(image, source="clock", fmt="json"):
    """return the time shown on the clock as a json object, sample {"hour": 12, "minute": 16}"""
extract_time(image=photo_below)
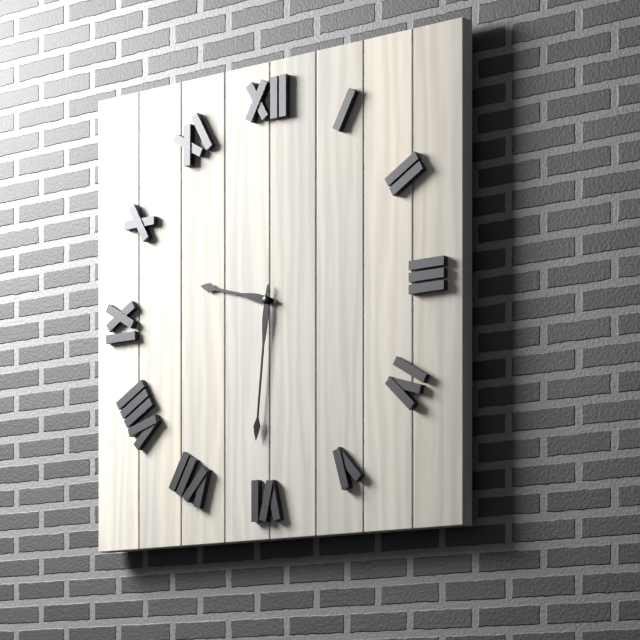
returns {"hour": 9, "minute": 31}
